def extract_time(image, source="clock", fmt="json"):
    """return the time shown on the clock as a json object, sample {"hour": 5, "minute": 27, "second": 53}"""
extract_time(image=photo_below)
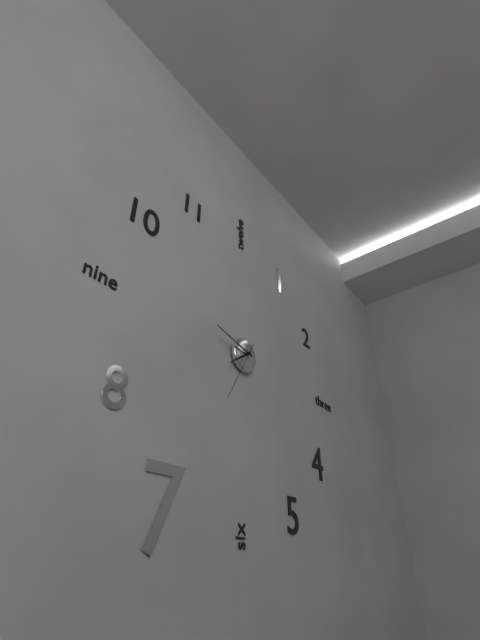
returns {"hour": 7, "minute": 47, "second": 35}
